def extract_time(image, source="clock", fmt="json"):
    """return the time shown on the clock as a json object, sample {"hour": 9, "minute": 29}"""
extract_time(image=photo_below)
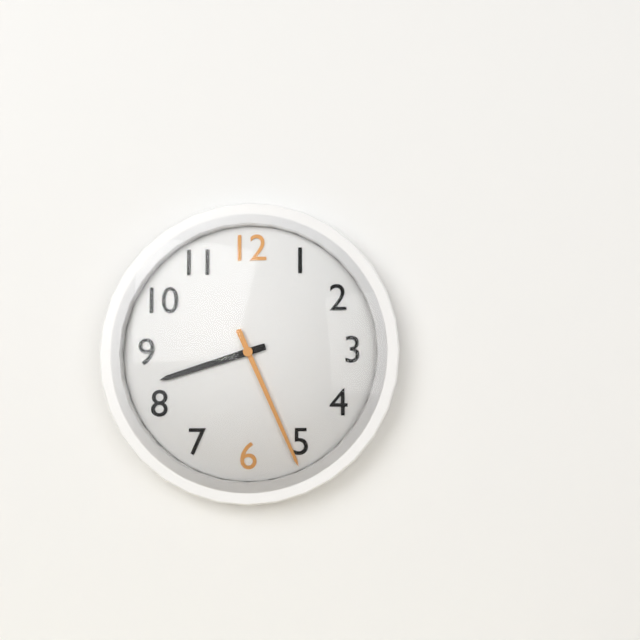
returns {"hour": 8, "minute": 26}
